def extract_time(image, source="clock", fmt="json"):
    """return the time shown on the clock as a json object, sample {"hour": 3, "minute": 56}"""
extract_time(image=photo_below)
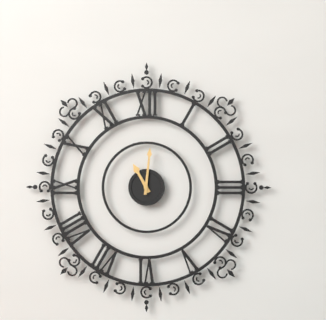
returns {"hour": 11, "minute": 1}
